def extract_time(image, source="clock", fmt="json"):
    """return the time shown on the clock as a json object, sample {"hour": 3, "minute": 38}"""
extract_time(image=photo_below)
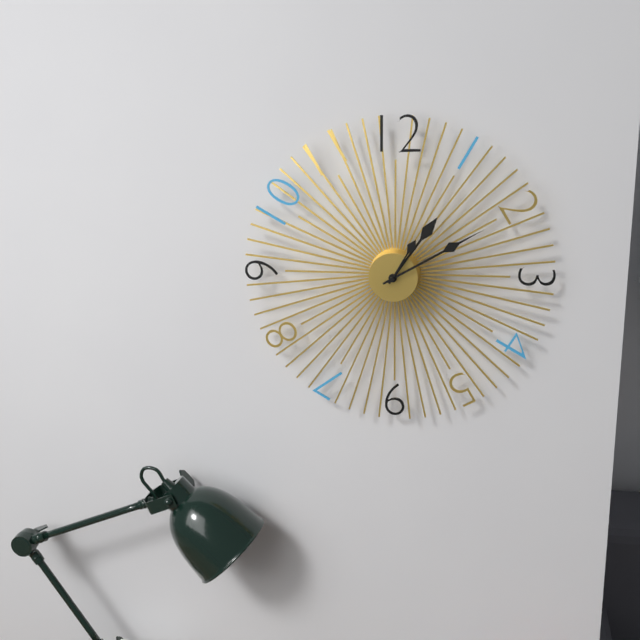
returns {"hour": 1, "minute": 10}
